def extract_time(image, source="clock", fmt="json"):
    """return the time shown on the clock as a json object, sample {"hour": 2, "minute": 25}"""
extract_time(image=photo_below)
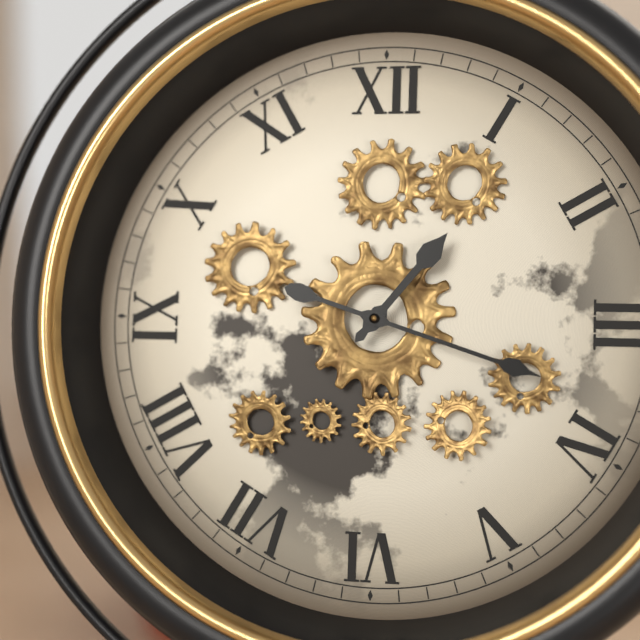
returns {"hour": 1, "minute": 18}
